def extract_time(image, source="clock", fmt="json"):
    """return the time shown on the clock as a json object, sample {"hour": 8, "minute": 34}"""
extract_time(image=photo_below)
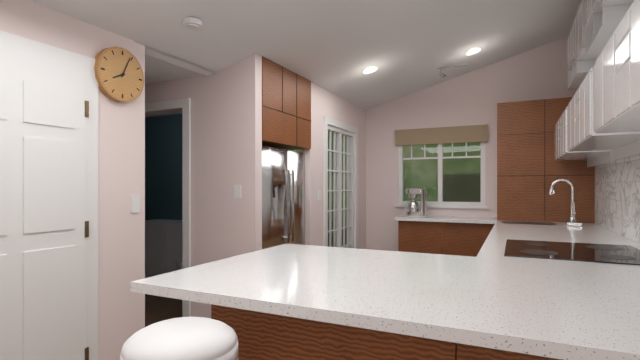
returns {"hour": 8, "minute": 4}
